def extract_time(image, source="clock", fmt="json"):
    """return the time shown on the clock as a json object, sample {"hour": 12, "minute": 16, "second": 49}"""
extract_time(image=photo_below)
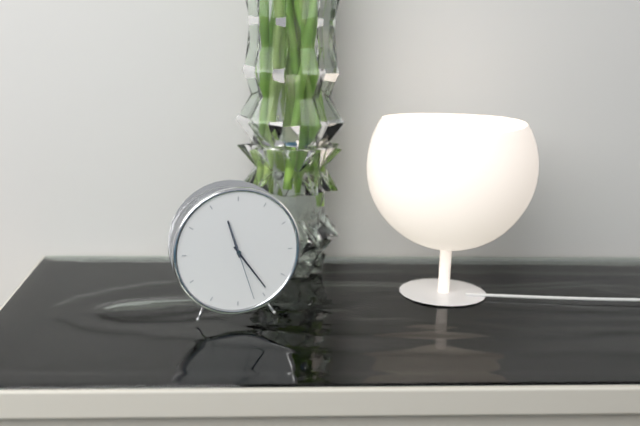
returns {"hour": 11, "minute": 24, "second": 27}
